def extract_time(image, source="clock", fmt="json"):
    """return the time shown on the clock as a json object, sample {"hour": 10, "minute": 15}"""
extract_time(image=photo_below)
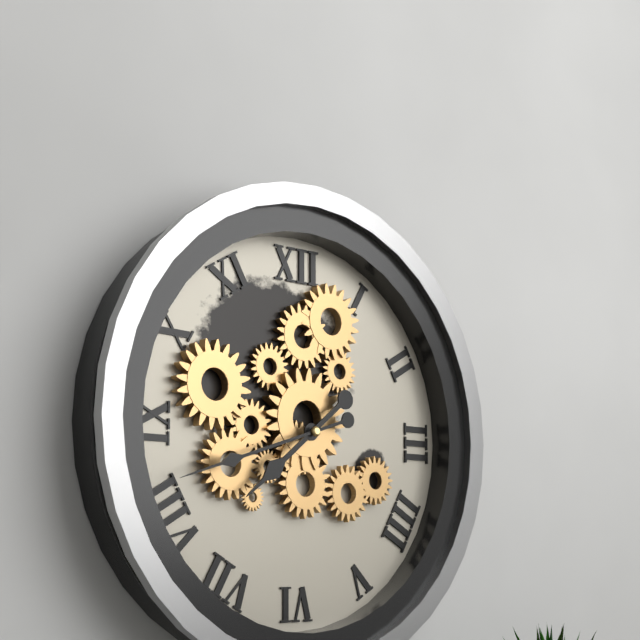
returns {"hour": 7, "minute": 42}
